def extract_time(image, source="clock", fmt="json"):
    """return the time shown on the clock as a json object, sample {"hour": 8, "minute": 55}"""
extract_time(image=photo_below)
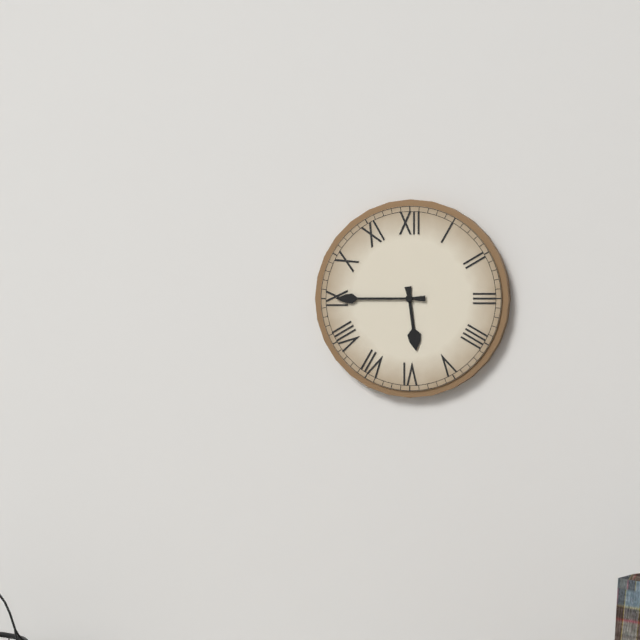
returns {"hour": 5, "minute": 45}
